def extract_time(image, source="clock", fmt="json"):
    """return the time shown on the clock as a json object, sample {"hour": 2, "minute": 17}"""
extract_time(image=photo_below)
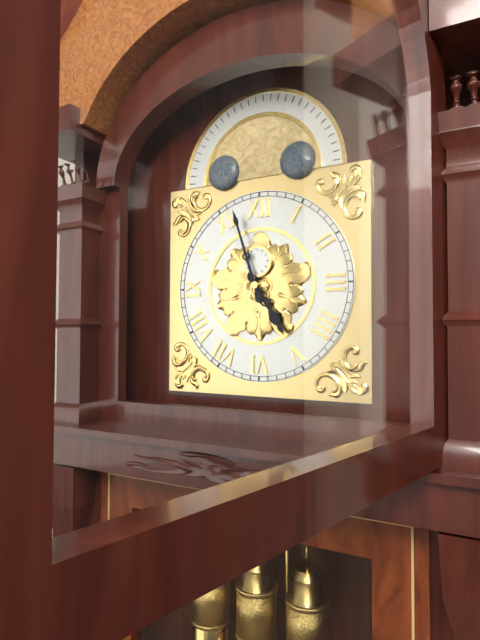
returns {"hour": 4, "minute": 57}
